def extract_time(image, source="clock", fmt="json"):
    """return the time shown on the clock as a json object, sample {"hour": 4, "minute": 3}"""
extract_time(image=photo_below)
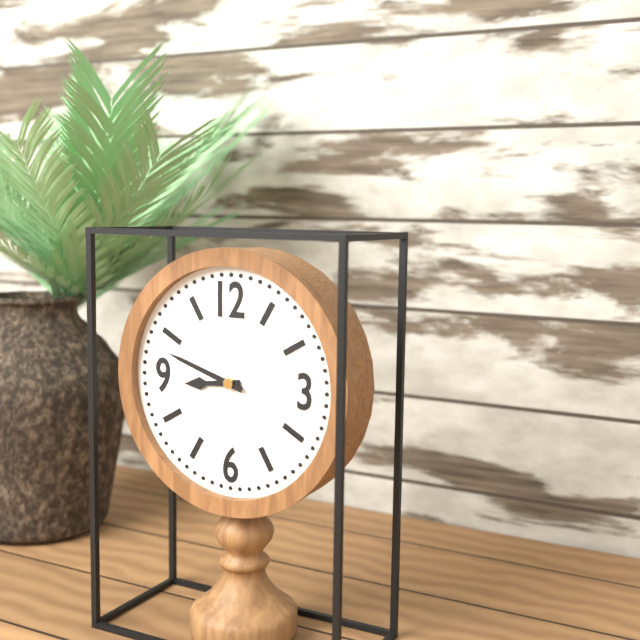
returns {"hour": 8, "minute": 48}
